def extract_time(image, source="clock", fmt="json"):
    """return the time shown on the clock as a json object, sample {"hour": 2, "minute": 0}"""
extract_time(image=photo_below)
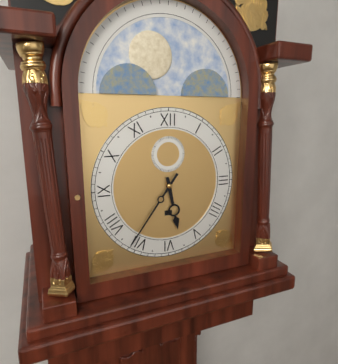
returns {"hour": 5, "minute": 36}
